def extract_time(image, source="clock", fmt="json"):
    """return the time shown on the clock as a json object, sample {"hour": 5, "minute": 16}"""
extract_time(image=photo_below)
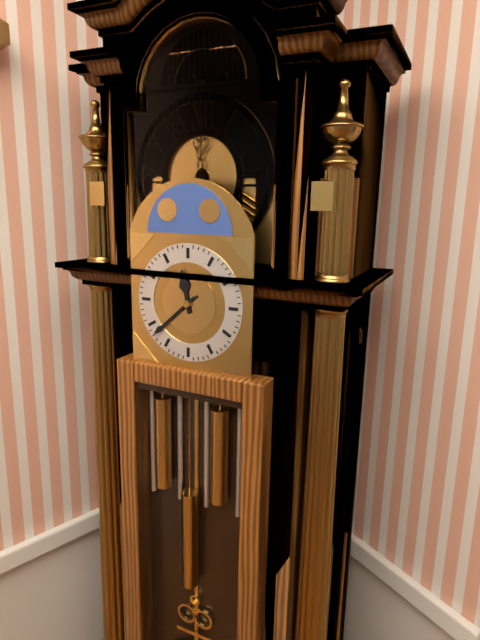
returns {"hour": 11, "minute": 38}
